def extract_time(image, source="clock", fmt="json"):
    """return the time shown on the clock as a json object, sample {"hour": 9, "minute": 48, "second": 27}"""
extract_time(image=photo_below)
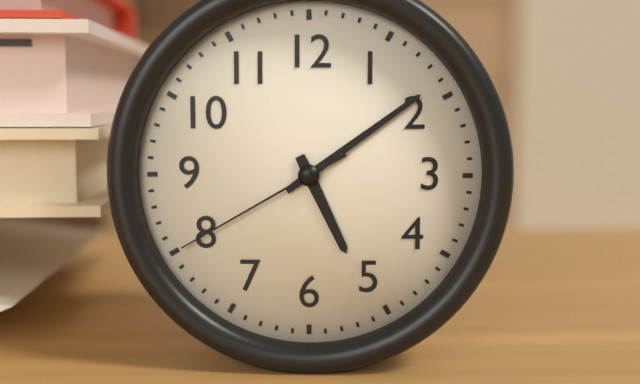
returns {"hour": 5, "minute": 9, "second": 40}
